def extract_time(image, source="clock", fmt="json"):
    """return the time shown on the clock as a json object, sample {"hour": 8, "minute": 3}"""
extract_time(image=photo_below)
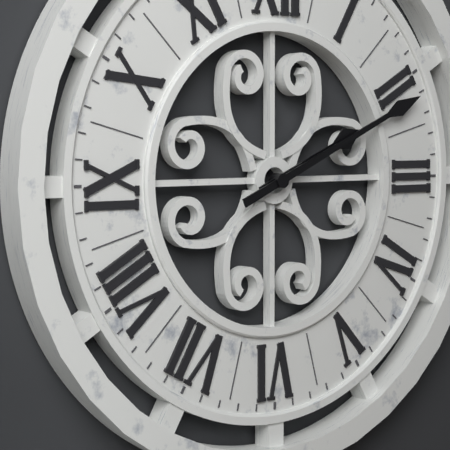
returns {"hour": 2, "minute": 11}
